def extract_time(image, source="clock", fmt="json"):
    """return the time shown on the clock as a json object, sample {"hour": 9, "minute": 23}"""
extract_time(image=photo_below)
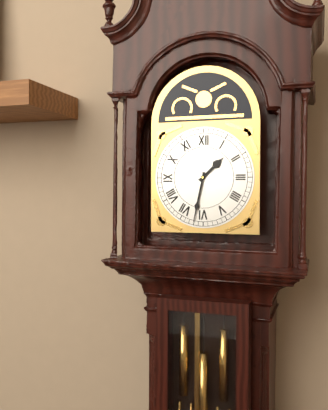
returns {"hour": 1, "minute": 32}
